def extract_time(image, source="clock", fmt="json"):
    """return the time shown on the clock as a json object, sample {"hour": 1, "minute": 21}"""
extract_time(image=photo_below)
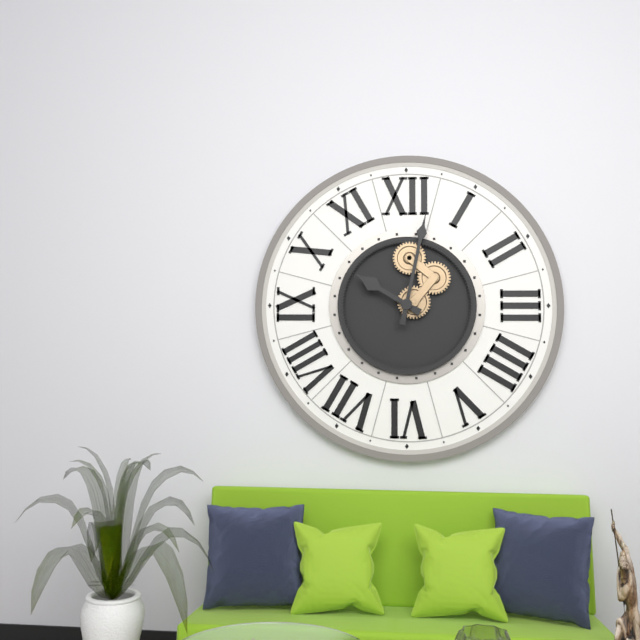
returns {"hour": 10, "minute": 2}
